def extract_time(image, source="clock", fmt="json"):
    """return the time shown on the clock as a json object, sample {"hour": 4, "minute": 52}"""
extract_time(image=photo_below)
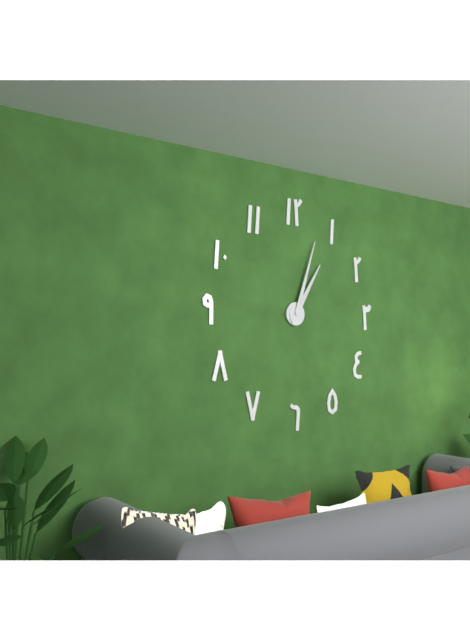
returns {"hour": 1, "minute": 3}
